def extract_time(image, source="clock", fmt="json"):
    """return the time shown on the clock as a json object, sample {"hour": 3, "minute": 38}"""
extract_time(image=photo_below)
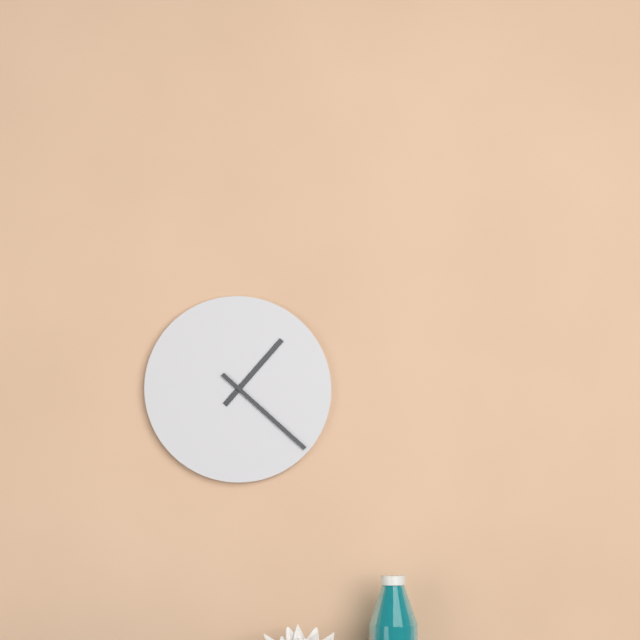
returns {"hour": 1, "minute": 22}
